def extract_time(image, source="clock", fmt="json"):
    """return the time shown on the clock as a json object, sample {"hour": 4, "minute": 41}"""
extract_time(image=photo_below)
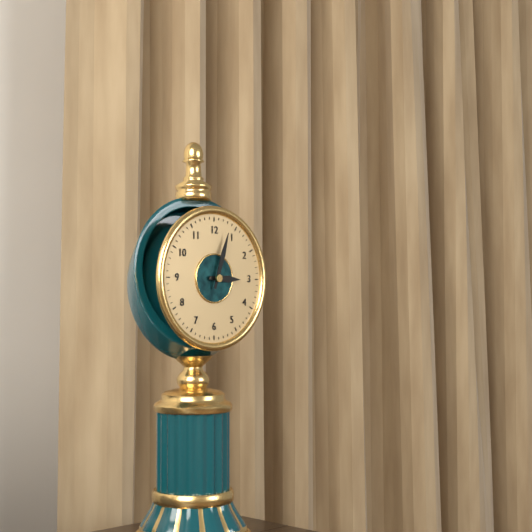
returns {"hour": 3, "minute": 3}
